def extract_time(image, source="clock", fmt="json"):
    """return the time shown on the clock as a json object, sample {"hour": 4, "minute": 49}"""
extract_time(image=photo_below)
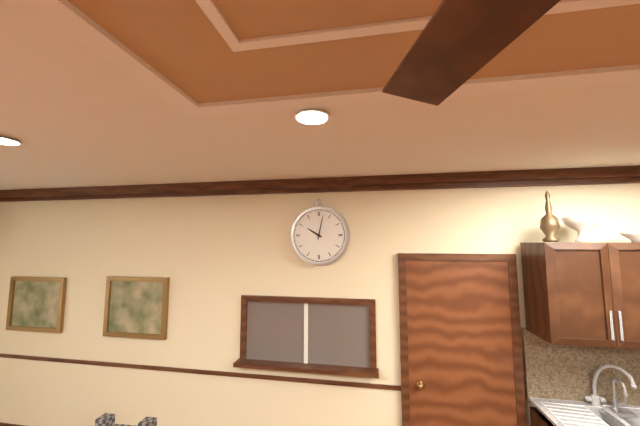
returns {"hour": 10, "minute": 2}
